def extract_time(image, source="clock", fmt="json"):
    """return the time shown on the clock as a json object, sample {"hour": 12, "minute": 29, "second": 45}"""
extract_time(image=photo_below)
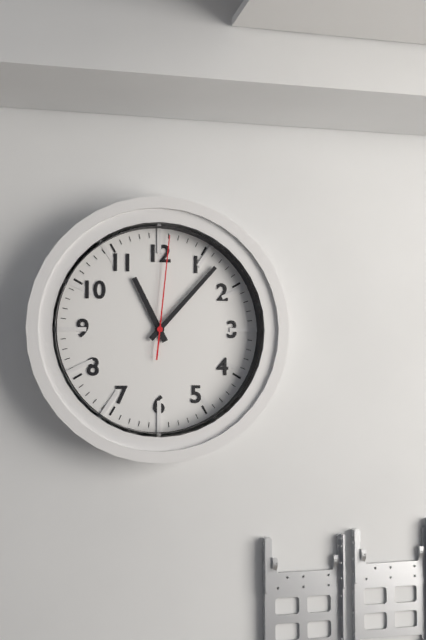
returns {"hour": 11, "minute": 7, "second": 1}
